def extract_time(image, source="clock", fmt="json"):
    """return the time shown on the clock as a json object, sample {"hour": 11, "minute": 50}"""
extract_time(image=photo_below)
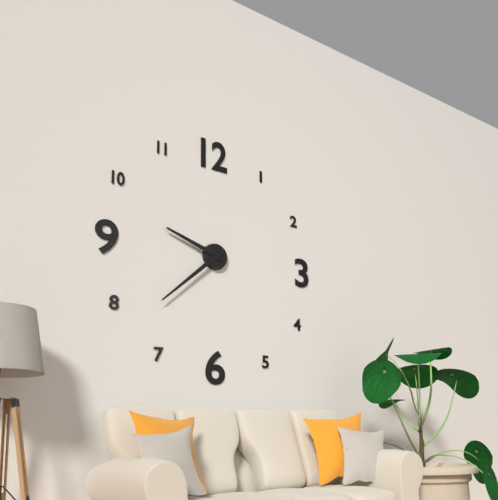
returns {"hour": 9, "minute": 38}
